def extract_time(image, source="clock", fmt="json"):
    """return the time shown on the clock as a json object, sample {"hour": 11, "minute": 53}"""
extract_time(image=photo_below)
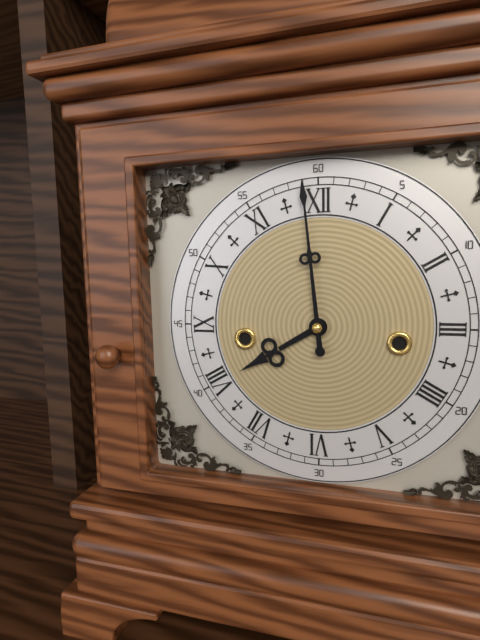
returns {"hour": 7, "minute": 59}
